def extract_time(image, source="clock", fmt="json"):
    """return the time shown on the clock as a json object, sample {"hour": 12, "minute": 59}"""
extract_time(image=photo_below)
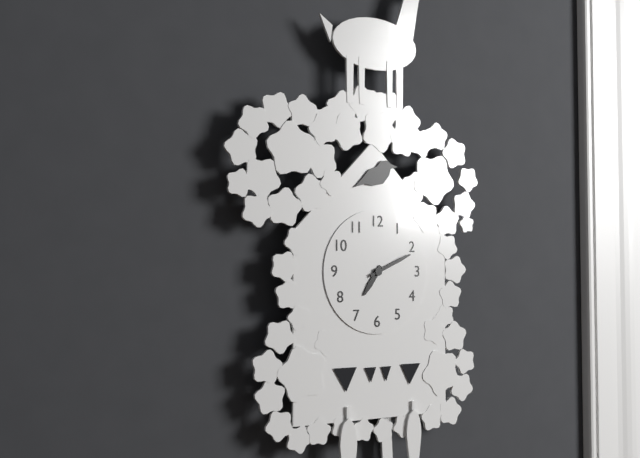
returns {"hour": 7, "minute": 11}
